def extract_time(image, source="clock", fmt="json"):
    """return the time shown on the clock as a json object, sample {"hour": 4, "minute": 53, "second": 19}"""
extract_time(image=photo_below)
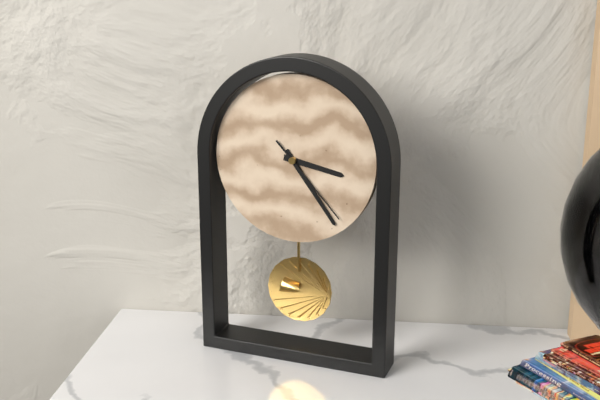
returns {"hour": 3, "minute": 24, "second": 23}
